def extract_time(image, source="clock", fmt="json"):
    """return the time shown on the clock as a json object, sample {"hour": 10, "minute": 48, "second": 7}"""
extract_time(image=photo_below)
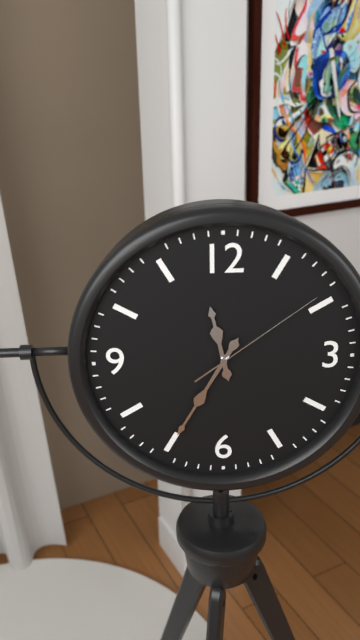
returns {"hour": 11, "minute": 35, "second": 9}
